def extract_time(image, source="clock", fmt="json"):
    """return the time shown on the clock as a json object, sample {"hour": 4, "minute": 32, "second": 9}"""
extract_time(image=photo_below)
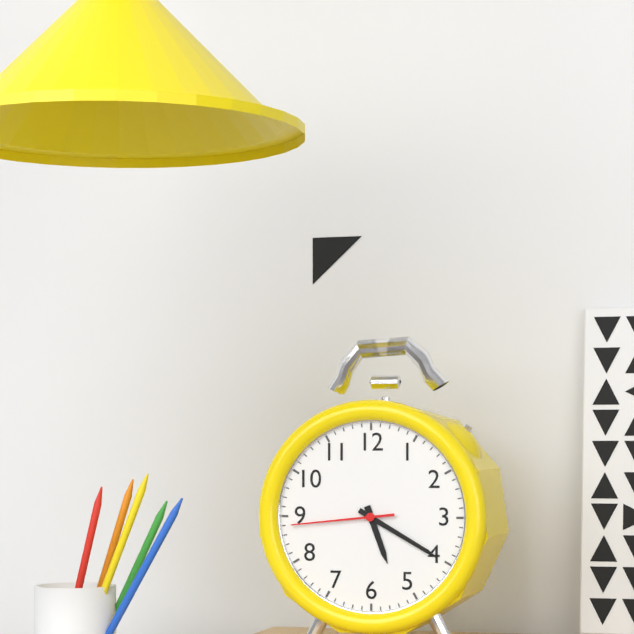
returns {"hour": 5, "minute": 20, "second": 44}
